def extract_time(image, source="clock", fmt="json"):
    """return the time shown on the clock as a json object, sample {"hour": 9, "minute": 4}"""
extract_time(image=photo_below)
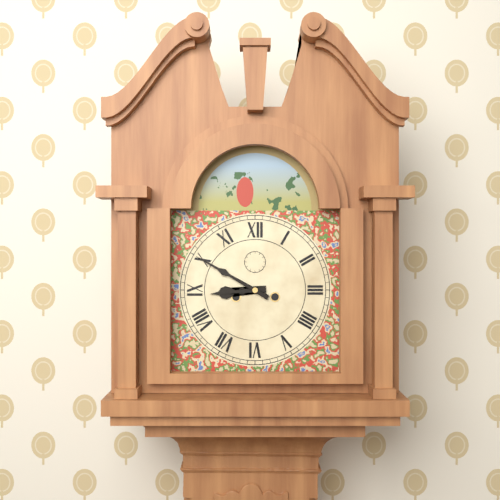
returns {"hour": 8, "minute": 50}
